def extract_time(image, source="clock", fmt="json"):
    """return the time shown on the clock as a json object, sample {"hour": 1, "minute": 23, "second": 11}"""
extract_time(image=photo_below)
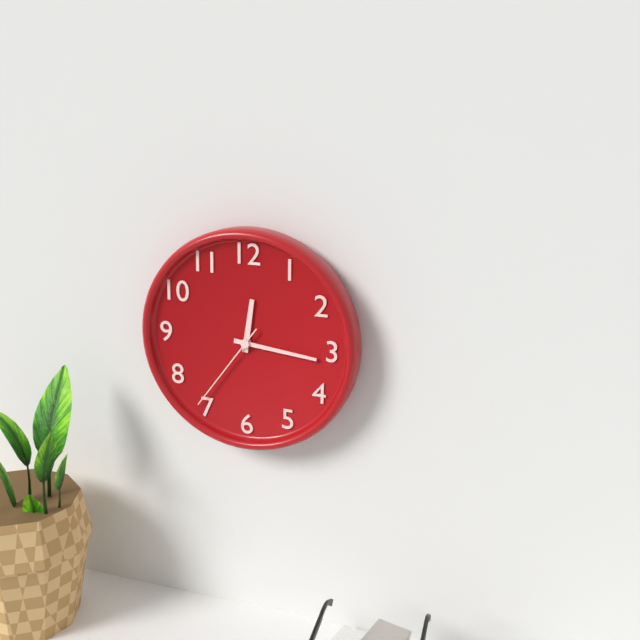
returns {"hour": 12, "minute": 16, "second": 36}
